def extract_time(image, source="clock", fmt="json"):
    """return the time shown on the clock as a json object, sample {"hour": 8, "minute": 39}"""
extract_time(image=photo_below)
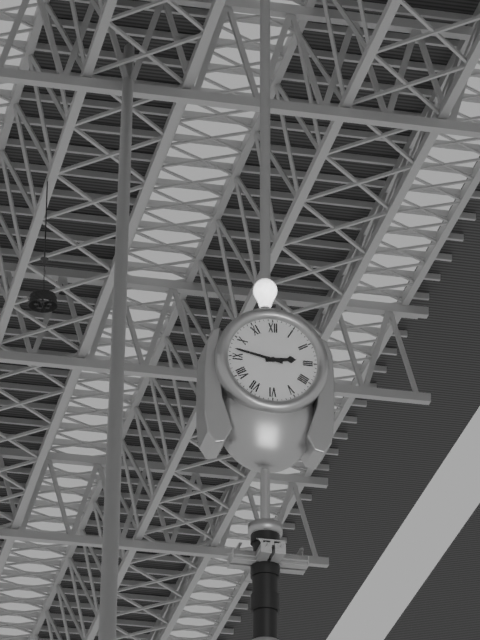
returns {"hour": 2, "minute": 47}
